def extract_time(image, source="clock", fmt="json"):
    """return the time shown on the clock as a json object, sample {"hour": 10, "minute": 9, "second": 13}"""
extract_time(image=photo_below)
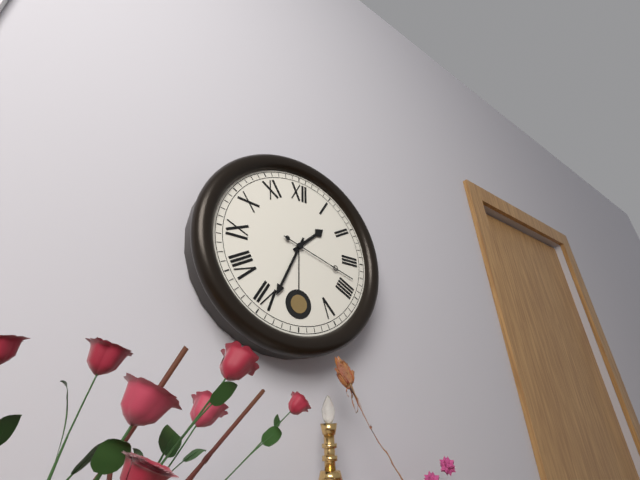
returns {"hour": 1, "minute": 34, "second": 18}
